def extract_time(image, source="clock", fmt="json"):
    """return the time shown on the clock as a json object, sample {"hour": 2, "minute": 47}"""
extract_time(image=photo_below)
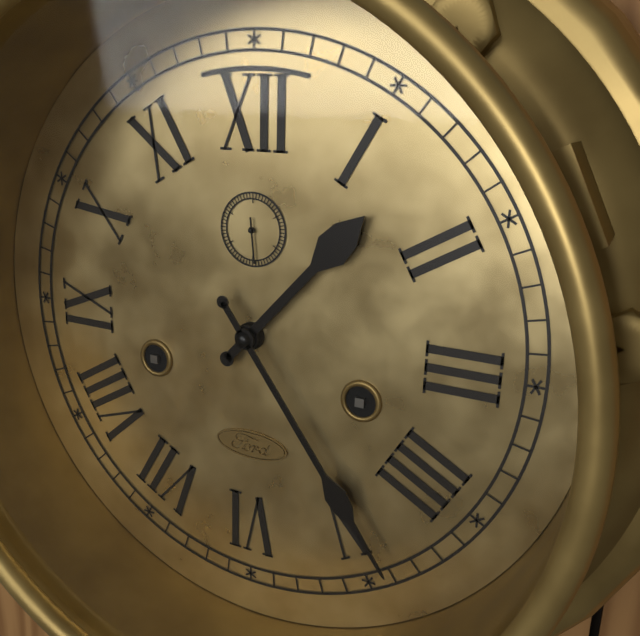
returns {"hour": 1, "minute": 24}
